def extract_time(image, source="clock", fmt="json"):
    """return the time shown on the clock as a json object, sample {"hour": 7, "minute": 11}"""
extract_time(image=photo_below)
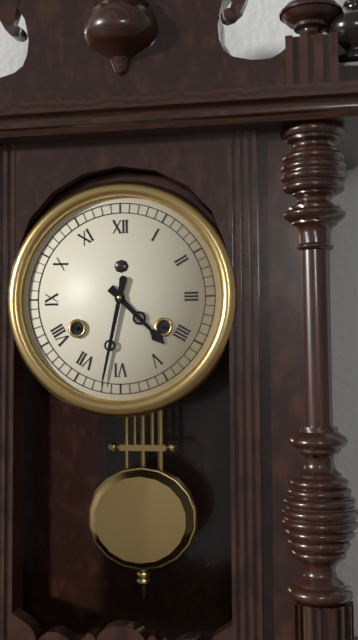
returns {"hour": 4, "minute": 32}
